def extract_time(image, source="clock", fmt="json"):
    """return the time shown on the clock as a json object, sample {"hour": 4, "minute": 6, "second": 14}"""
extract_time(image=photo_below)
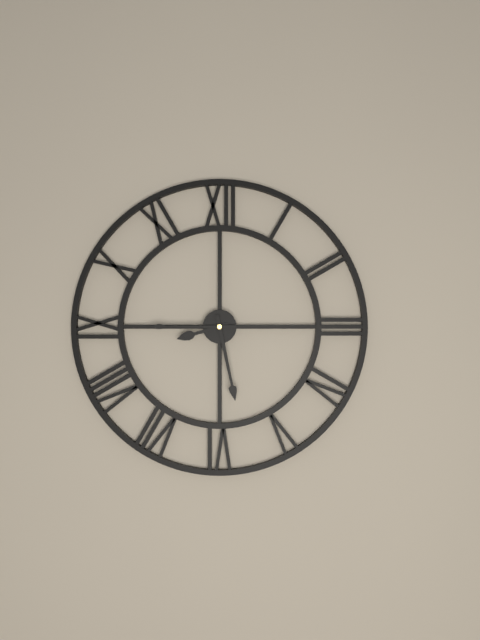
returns {"hour": 8, "minute": 28, "second": 45}
